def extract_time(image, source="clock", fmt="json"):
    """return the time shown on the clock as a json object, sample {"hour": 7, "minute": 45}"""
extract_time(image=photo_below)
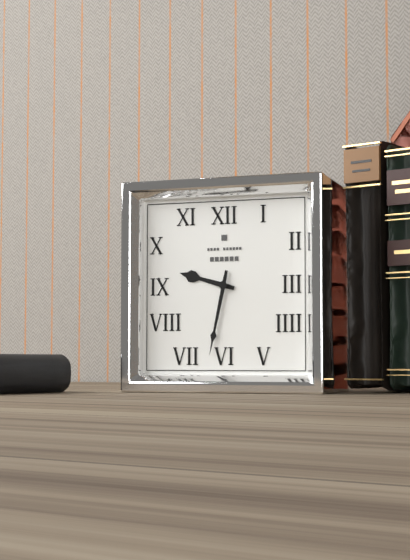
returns {"hour": 9, "minute": 32}
